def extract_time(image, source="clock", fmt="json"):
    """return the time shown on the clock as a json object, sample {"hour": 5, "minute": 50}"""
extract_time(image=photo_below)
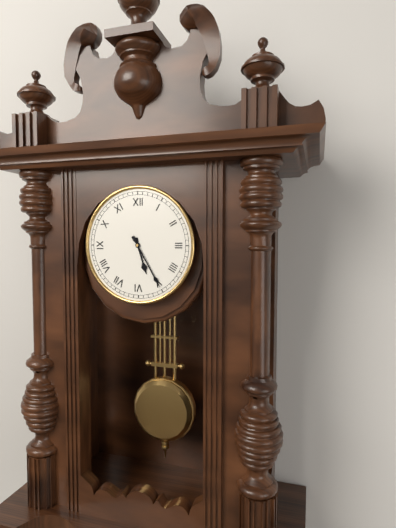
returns {"hour": 5, "minute": 25}
